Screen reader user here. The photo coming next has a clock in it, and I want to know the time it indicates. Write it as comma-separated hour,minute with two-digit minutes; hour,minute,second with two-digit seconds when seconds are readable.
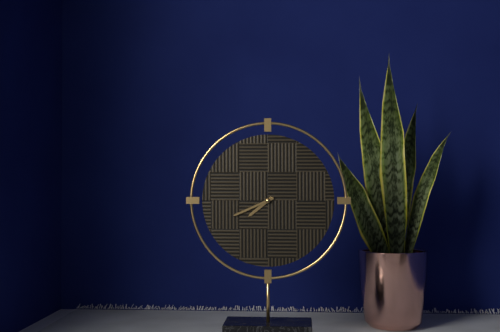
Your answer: 7,41
